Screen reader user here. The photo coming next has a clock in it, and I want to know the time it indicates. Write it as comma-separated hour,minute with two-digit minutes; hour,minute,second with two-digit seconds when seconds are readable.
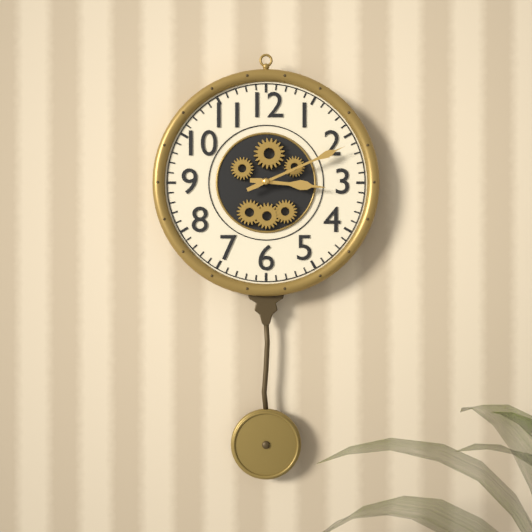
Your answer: 3,11
